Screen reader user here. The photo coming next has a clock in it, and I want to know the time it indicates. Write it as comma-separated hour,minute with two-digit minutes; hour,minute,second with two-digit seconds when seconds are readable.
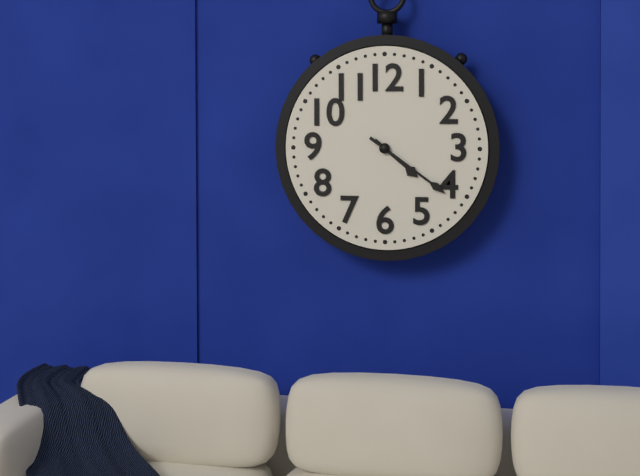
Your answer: 4,21
